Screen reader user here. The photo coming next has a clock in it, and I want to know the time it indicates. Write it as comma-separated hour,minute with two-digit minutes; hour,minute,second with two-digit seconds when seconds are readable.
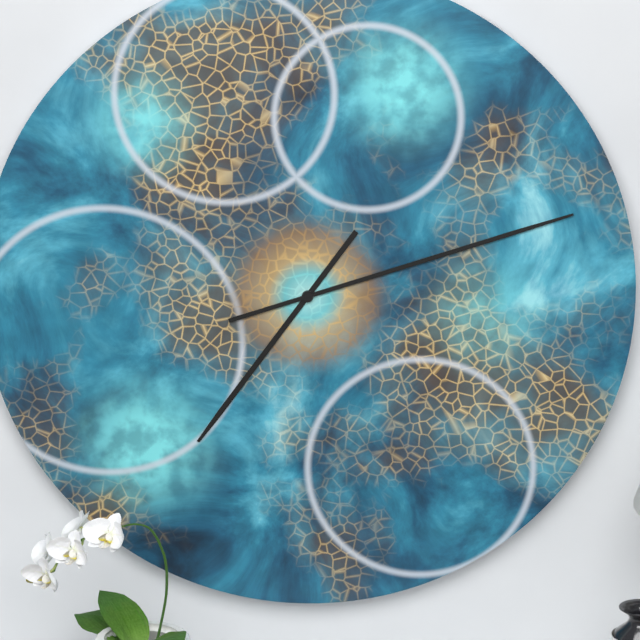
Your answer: 7,12
